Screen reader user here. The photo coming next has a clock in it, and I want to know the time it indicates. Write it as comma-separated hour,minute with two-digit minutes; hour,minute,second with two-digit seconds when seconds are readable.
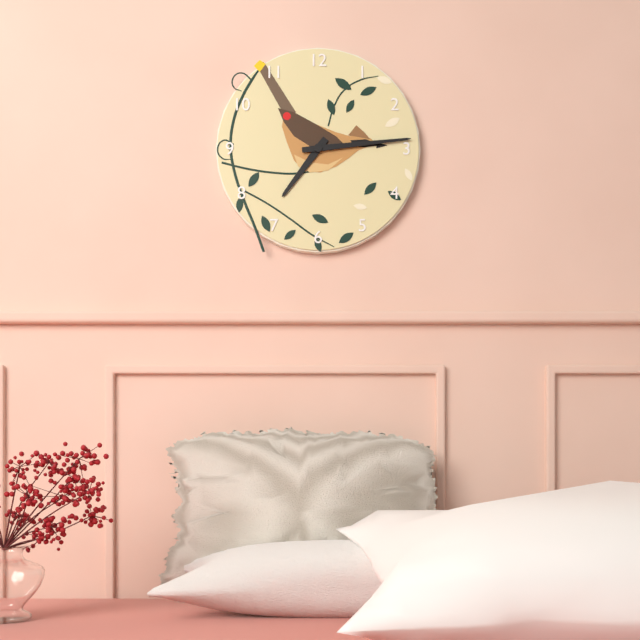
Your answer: 7,14
